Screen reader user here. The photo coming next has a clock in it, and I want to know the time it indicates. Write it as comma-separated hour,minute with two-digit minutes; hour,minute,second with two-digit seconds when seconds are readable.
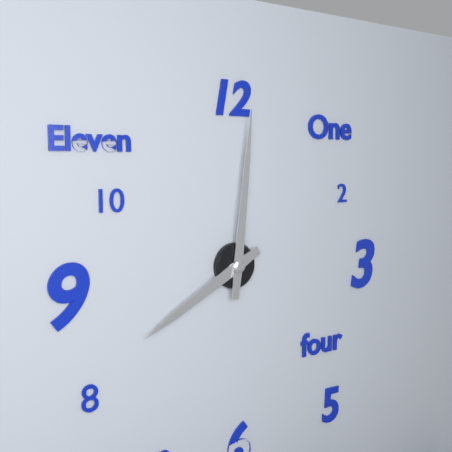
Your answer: 8,01
